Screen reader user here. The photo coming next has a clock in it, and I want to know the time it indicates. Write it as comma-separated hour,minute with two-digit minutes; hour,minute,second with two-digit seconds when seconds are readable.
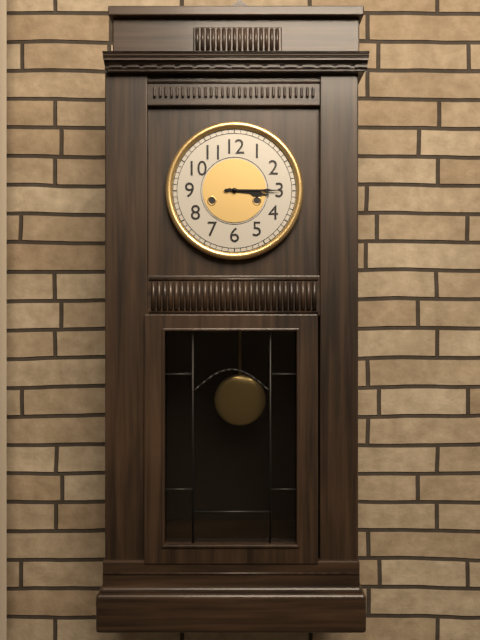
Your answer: 3,15
